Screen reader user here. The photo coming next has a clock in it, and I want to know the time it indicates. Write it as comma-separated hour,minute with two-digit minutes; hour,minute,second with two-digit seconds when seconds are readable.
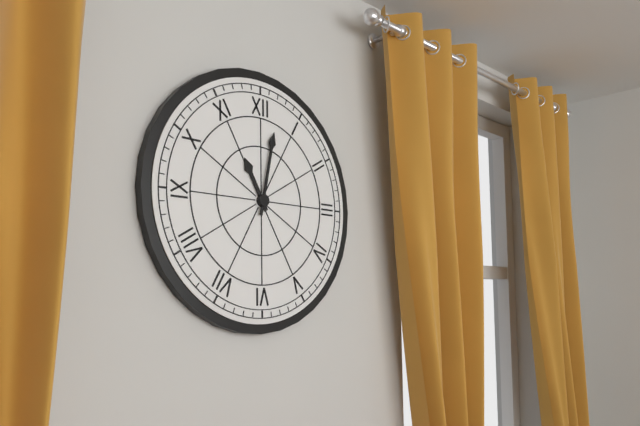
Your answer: 11,02
